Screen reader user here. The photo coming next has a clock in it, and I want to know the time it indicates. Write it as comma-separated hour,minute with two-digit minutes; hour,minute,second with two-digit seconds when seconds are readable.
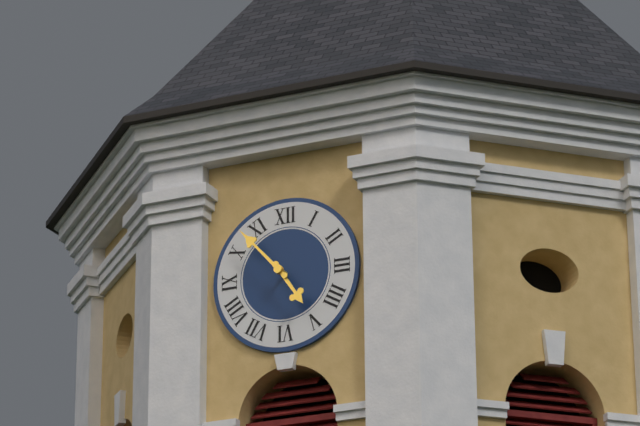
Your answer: 4,53
